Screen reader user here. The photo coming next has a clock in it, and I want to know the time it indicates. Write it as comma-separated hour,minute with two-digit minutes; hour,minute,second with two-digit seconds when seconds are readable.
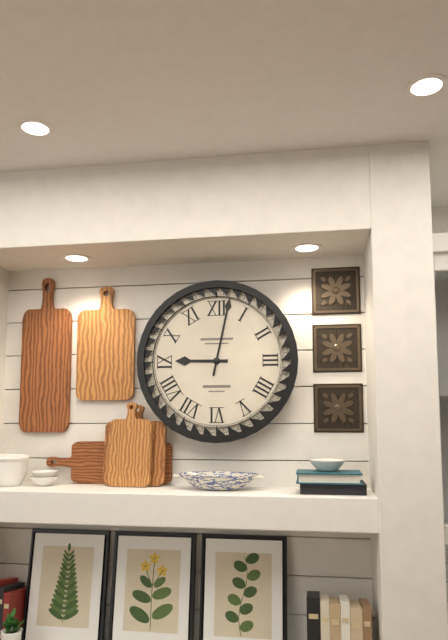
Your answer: 9,02
